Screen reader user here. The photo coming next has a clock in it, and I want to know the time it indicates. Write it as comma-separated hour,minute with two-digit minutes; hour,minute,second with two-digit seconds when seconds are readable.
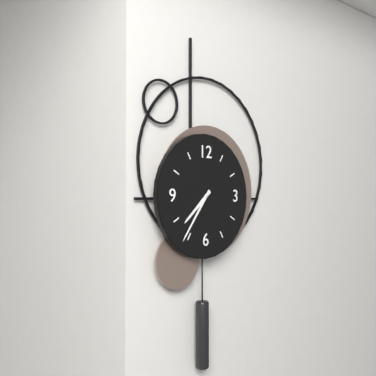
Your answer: 7,36
